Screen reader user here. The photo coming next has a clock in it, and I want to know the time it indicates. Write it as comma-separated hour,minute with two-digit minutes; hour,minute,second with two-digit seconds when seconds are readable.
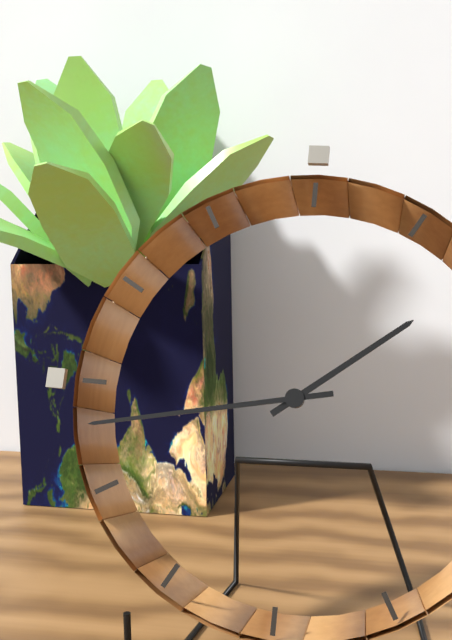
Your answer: 1,43
